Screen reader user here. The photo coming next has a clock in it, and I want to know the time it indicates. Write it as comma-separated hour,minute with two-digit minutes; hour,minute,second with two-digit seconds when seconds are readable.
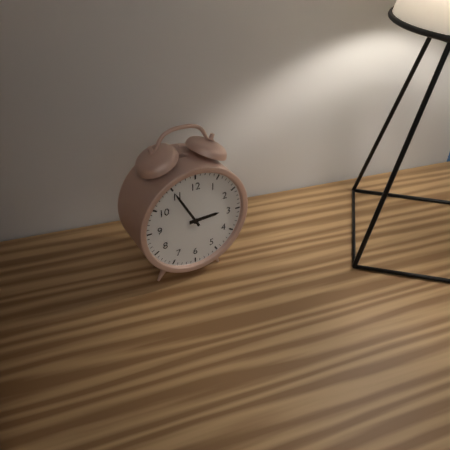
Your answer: 2,55
